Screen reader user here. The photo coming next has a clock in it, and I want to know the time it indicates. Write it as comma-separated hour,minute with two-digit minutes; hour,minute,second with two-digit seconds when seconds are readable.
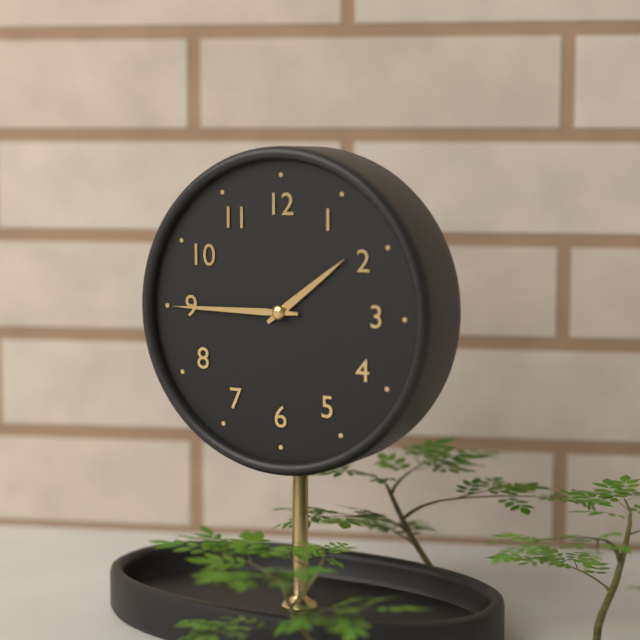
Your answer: 1,45
